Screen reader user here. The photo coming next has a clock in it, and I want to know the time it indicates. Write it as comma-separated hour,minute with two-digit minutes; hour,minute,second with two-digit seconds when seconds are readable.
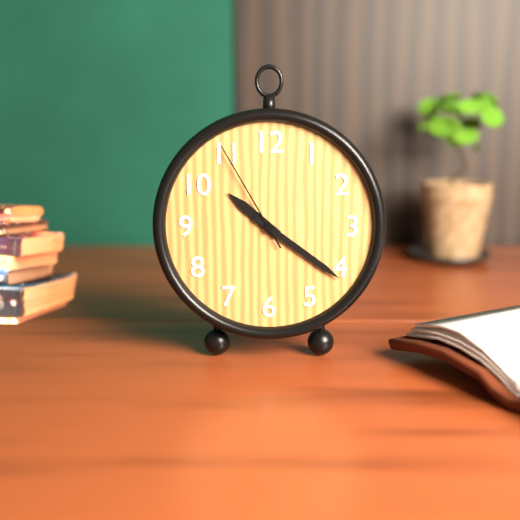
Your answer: 10,21,55
